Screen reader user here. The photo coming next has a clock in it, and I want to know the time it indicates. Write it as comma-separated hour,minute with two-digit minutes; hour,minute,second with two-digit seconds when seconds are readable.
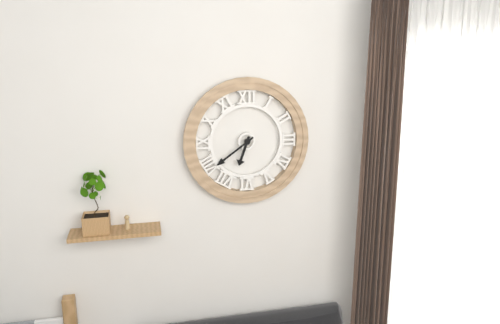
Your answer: 6,39
